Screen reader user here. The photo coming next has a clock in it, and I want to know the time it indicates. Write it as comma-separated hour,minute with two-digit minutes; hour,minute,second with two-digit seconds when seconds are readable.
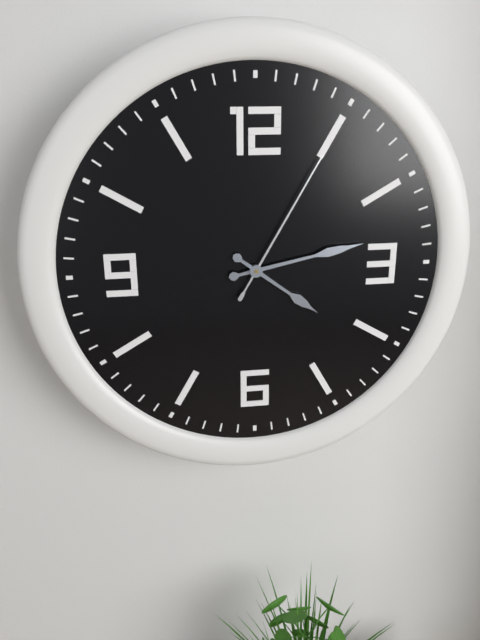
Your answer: 4,13,05
